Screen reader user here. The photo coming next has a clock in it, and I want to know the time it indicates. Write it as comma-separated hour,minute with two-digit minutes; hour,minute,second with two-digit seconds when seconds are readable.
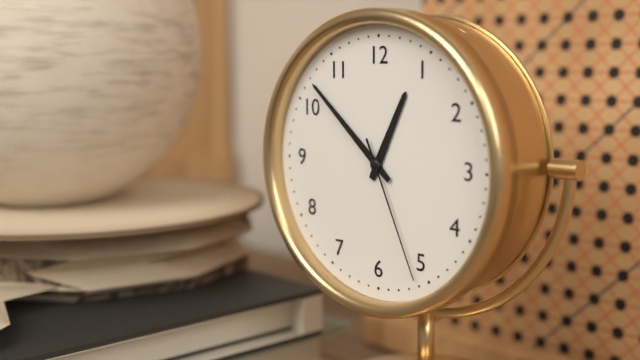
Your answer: 12,52,26
